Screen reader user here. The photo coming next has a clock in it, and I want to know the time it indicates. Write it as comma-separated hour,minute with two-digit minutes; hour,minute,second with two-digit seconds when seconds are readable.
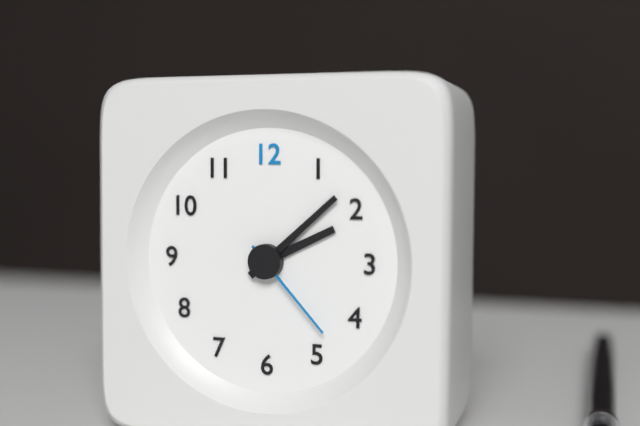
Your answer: 2,08,23
